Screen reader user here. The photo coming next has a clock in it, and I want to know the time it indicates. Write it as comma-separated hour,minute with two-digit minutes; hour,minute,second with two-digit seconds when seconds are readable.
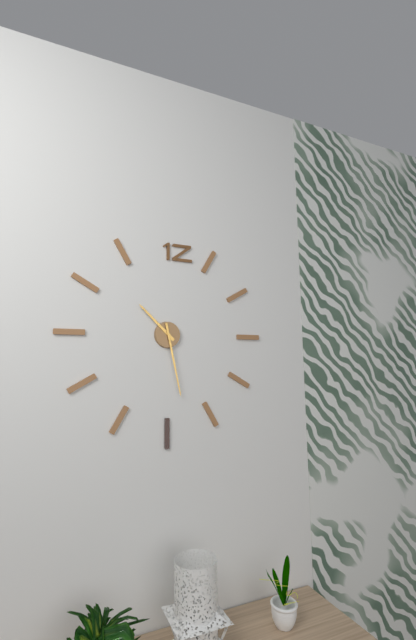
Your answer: 10,28
